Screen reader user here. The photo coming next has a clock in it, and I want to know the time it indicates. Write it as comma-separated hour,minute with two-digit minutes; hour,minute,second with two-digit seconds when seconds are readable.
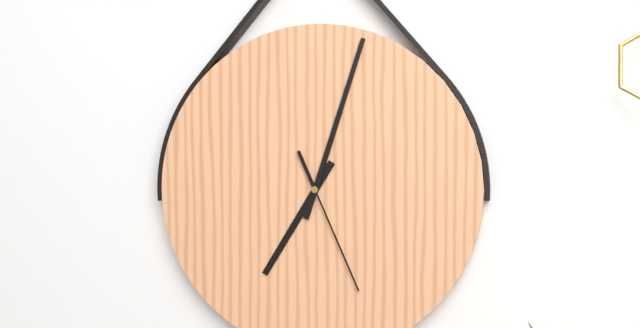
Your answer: 7,03,26
